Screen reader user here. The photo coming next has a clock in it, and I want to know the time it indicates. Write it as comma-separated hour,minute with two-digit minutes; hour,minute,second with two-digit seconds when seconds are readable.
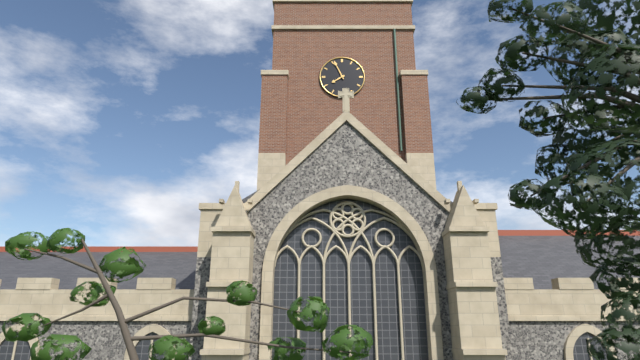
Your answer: 7,56
